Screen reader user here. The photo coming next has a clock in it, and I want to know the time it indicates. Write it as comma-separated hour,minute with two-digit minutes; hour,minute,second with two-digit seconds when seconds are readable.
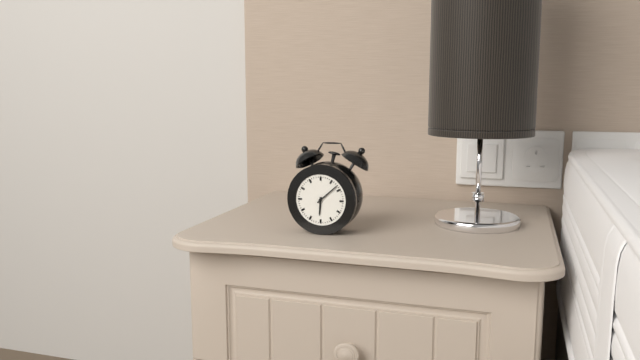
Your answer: 6,08
